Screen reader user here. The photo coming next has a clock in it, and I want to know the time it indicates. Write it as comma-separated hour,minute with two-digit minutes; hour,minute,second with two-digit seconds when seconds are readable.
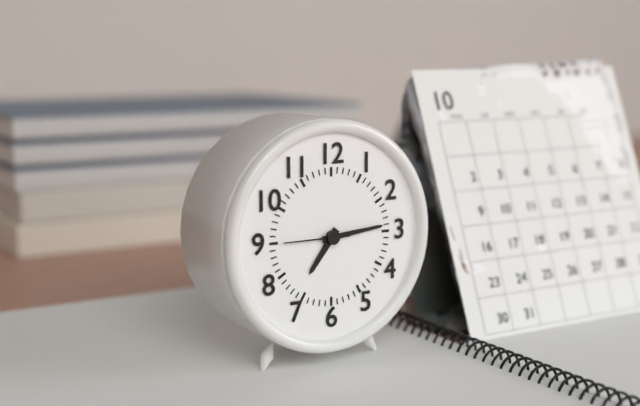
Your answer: 7,14,45
